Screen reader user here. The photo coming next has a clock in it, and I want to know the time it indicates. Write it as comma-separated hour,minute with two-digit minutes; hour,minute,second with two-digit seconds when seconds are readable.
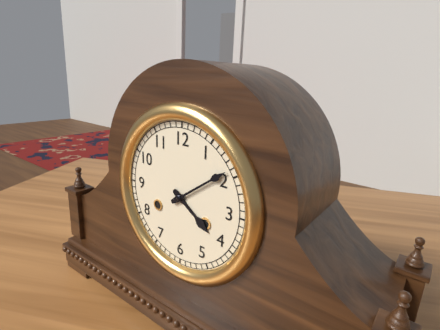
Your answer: 4,09
